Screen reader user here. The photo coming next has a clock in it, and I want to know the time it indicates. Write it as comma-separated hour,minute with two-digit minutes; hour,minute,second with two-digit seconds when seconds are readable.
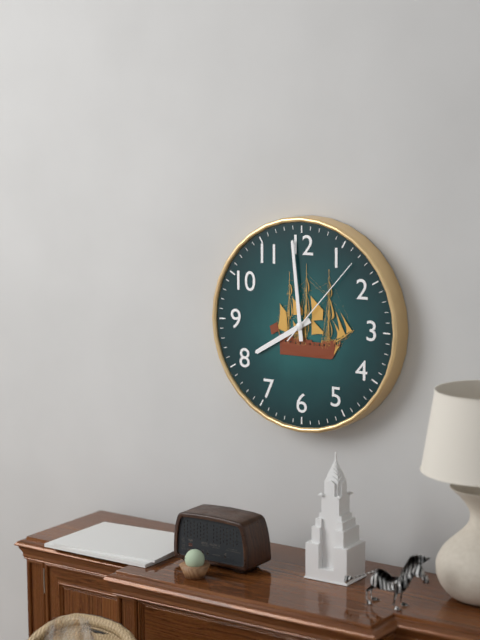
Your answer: 7,59,07
